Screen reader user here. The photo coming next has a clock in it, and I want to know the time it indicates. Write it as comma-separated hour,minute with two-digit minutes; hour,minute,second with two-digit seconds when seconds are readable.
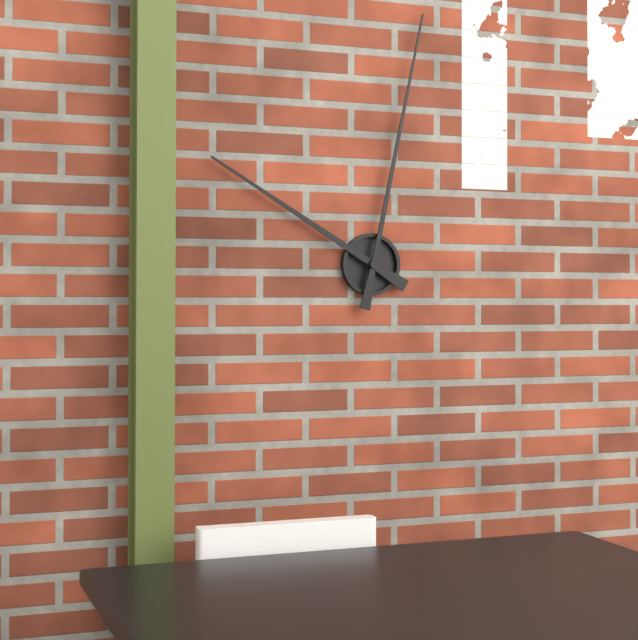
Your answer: 10,02
